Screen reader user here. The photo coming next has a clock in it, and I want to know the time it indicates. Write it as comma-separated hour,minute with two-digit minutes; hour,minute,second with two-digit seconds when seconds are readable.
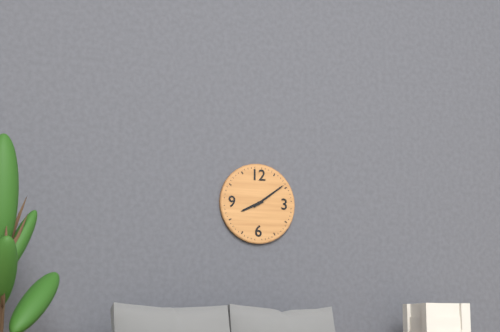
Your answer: 8,09
